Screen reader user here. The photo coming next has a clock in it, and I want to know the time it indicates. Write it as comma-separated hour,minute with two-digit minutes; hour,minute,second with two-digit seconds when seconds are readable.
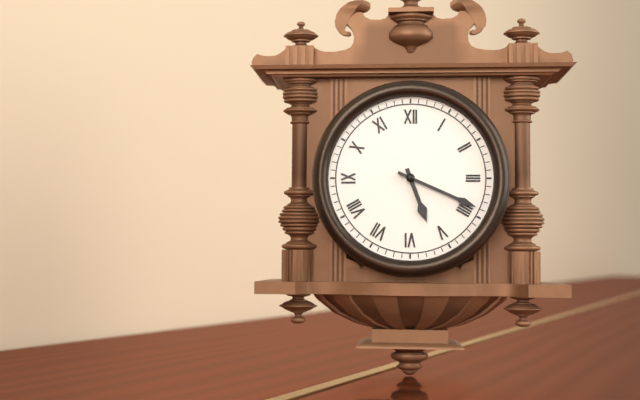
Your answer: 5,19
